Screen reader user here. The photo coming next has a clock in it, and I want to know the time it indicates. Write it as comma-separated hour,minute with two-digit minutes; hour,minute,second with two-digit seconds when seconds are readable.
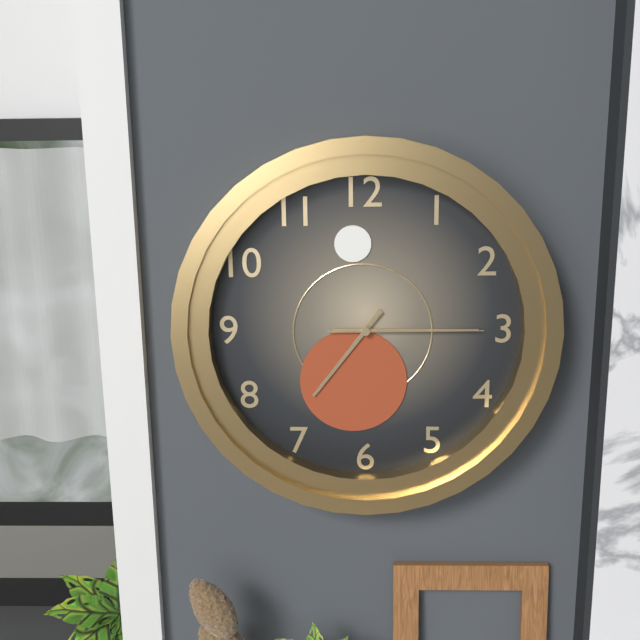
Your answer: 7,15,15
